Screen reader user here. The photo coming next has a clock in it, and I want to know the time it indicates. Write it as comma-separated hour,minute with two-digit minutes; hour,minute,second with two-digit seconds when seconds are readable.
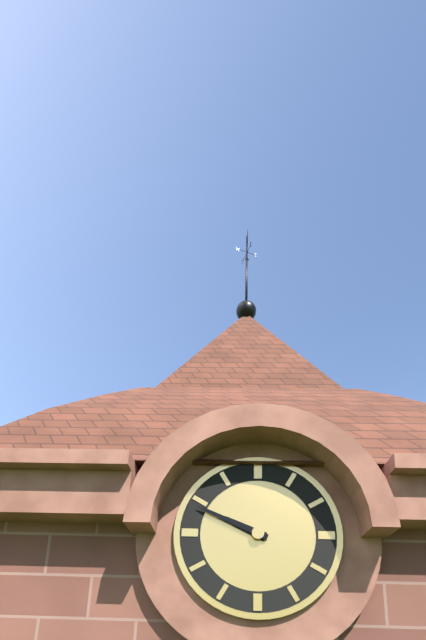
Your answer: 9,49
